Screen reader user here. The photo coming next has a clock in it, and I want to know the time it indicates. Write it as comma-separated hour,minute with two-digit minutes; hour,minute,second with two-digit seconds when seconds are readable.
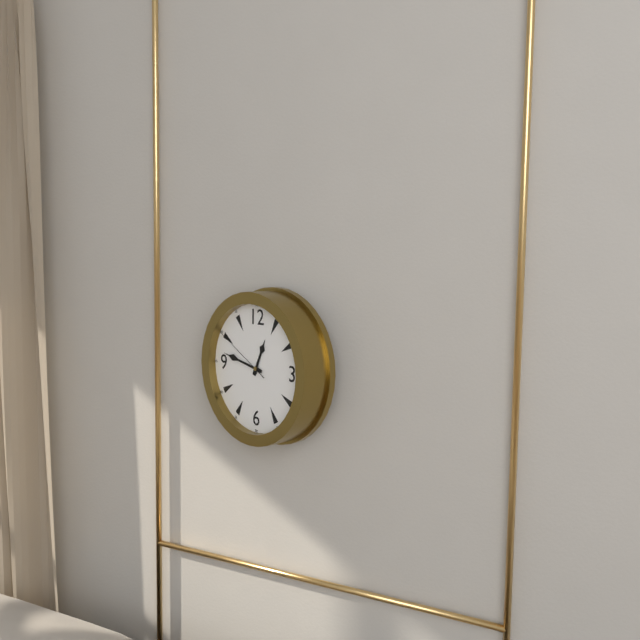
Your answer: 12,47,50
